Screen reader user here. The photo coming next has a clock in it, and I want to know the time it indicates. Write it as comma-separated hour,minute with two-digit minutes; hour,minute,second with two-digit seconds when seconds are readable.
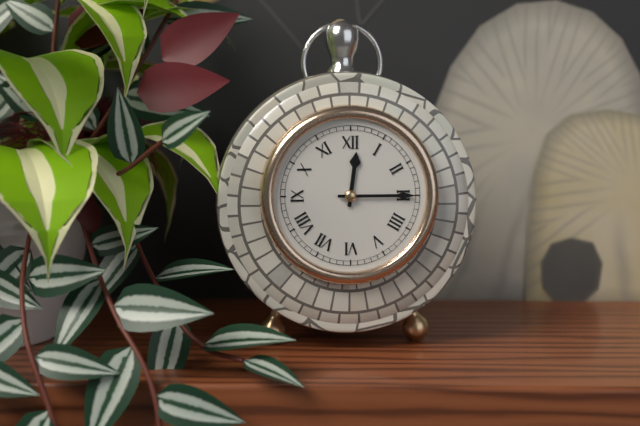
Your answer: 12,15
